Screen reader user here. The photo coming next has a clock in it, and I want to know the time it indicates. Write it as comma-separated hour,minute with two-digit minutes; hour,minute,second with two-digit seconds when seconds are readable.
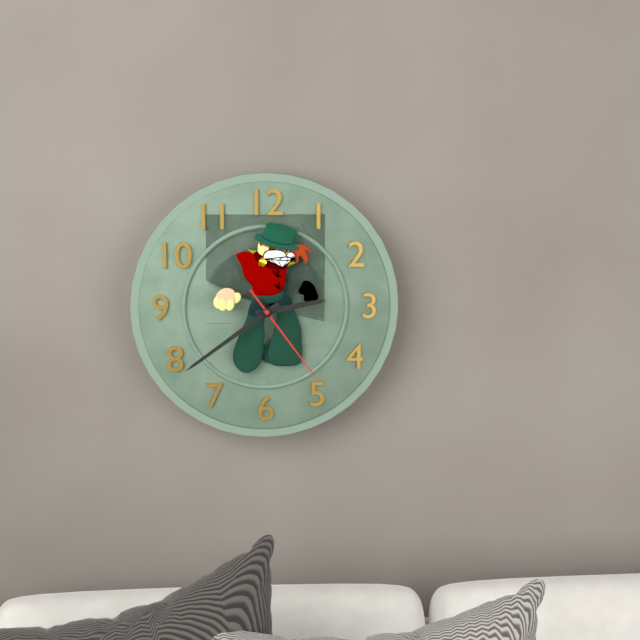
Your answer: 2,39,24
